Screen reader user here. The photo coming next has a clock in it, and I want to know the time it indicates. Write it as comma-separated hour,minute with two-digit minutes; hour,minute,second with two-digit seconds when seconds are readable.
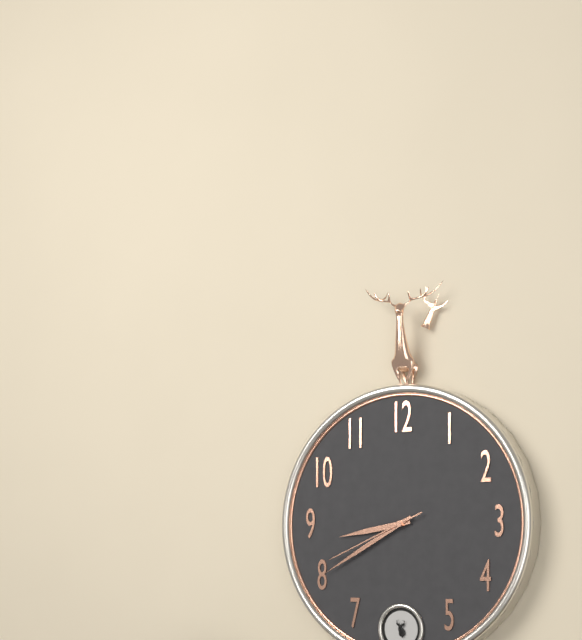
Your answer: 8,40,41
